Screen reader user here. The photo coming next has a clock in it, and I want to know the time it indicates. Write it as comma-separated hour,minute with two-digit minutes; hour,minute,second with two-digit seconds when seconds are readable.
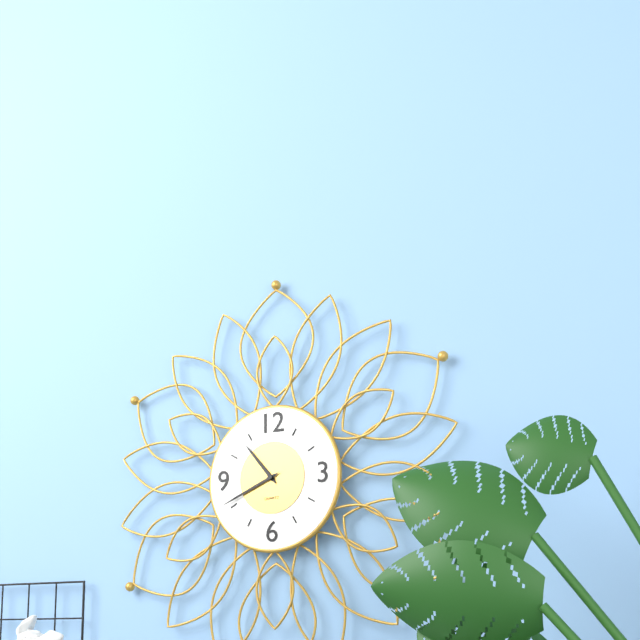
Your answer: 10,41
